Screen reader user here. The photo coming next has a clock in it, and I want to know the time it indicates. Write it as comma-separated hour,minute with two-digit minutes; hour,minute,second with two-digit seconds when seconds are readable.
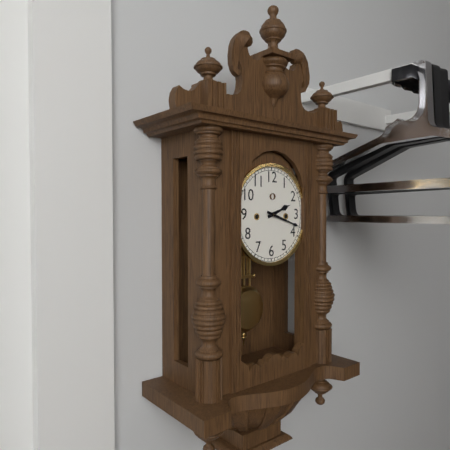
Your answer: 2,18
